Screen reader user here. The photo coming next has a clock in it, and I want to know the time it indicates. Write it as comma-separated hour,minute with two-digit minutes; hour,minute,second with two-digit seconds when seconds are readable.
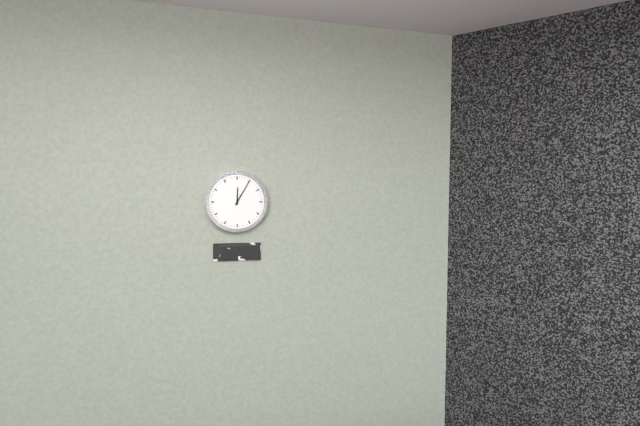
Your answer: 12,05
